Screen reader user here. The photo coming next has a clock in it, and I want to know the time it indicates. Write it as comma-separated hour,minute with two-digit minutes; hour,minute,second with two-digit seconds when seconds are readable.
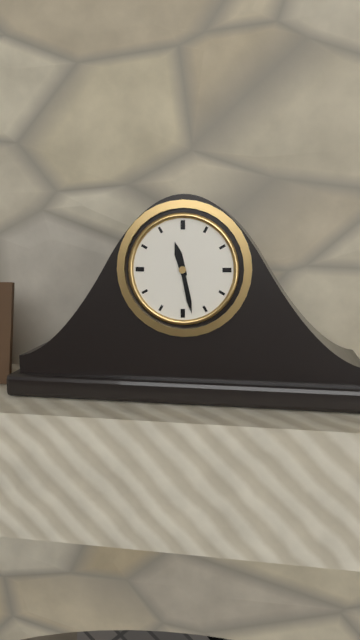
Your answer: 11,28
